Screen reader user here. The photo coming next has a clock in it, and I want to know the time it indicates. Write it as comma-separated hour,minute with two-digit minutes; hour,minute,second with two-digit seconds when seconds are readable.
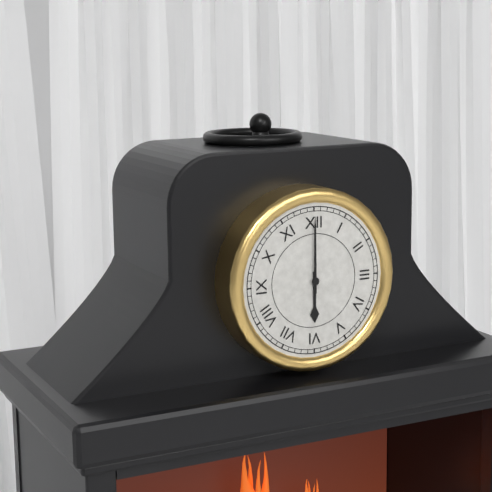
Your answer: 6,00
